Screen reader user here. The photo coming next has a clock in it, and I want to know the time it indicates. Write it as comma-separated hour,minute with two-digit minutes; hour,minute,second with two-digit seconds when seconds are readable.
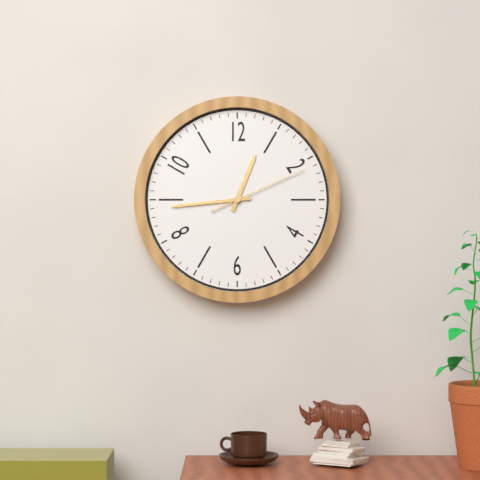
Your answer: 12,44,11
